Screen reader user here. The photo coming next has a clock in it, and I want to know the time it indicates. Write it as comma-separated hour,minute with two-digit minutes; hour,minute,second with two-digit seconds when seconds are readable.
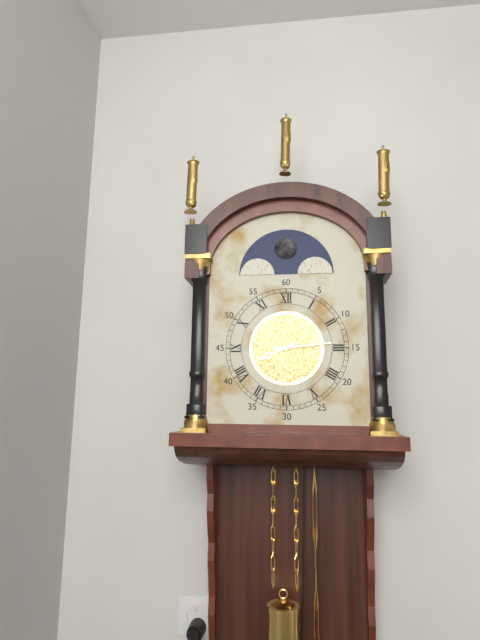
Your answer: 8,14
